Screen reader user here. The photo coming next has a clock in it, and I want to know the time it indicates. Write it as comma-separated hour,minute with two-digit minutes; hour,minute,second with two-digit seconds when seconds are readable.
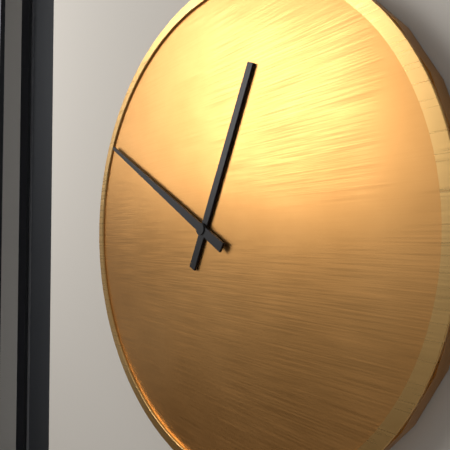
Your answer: 12,50
